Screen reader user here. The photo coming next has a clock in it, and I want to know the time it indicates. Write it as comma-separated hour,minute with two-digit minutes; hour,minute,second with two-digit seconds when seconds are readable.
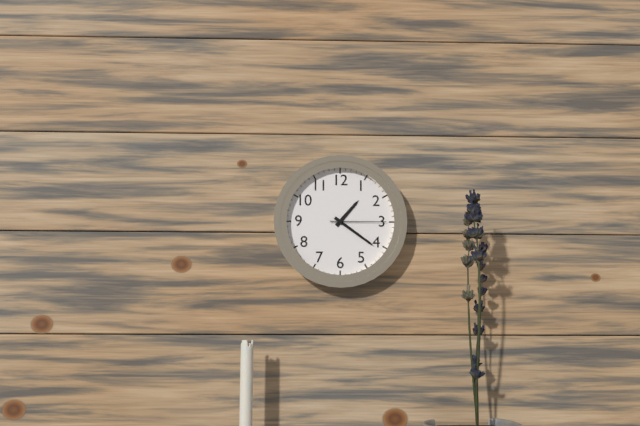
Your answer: 1,21,15
